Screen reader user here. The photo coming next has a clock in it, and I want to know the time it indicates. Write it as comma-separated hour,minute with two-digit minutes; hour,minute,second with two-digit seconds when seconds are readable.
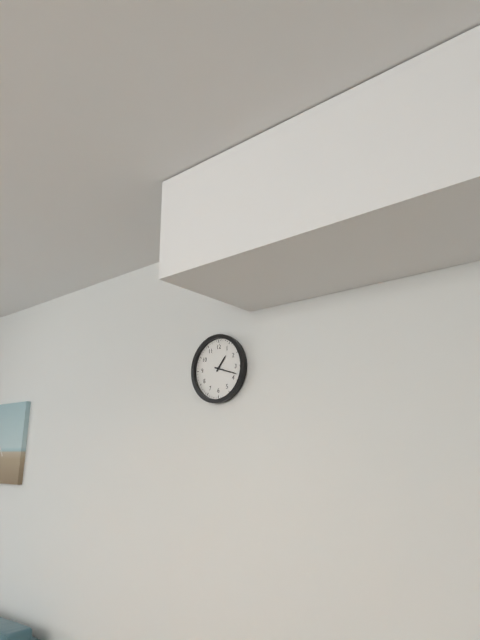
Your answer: 1,18
